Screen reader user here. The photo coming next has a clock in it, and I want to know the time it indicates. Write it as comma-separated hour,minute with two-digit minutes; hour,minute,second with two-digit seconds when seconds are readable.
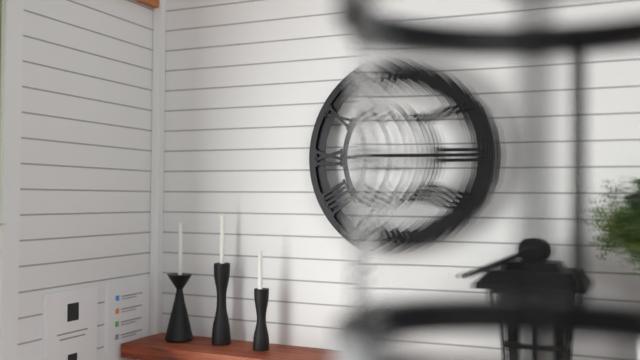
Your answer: 3,32
